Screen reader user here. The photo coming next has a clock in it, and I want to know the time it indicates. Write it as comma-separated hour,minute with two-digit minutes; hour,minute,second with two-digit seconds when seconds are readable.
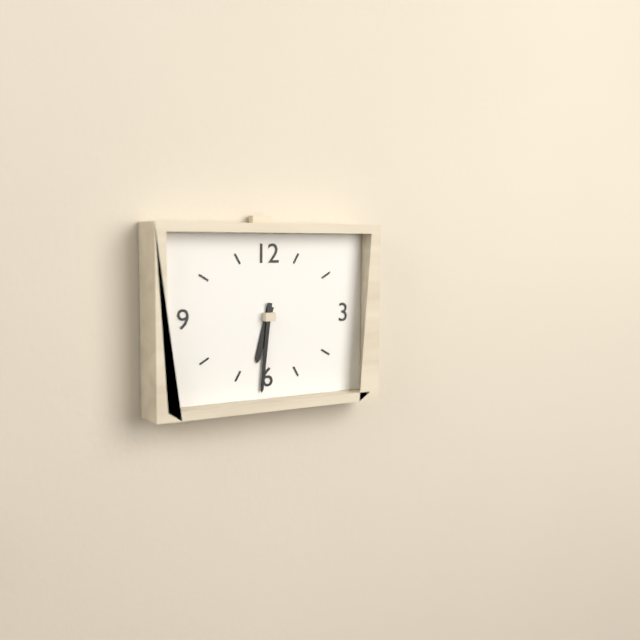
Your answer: 6,31
